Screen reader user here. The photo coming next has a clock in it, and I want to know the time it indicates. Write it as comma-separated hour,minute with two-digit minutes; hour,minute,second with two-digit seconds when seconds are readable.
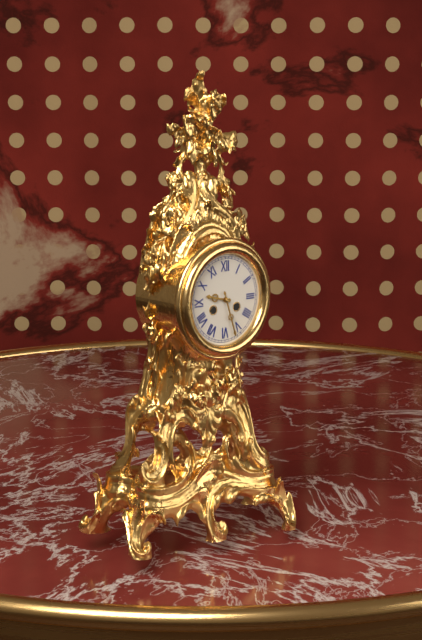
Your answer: 9,27
